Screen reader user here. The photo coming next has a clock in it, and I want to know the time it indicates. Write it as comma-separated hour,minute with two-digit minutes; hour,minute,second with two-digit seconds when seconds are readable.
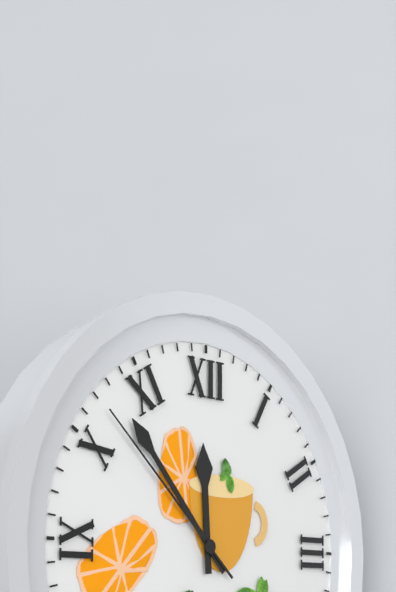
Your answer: 11,53,52
